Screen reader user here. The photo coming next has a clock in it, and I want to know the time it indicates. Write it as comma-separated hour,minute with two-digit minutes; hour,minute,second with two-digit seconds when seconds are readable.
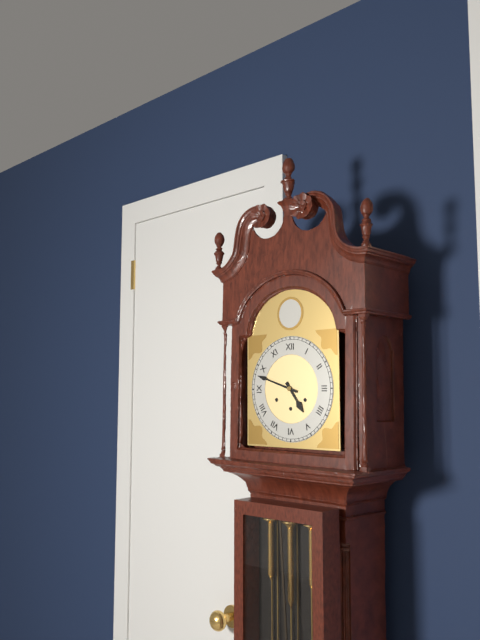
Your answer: 4,48
